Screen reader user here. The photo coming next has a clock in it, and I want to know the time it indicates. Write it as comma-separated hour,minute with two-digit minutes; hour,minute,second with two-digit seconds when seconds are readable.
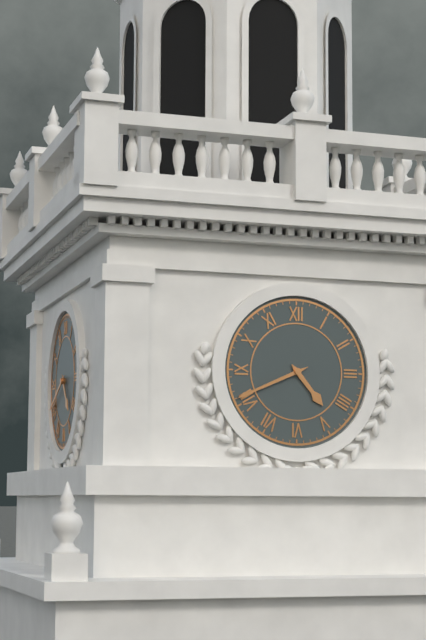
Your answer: 4,41
